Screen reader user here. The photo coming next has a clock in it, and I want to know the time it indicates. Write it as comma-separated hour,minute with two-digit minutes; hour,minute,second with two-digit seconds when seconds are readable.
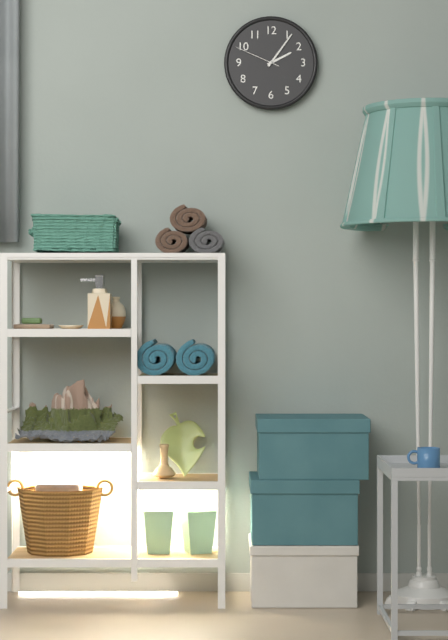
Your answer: 2,06
